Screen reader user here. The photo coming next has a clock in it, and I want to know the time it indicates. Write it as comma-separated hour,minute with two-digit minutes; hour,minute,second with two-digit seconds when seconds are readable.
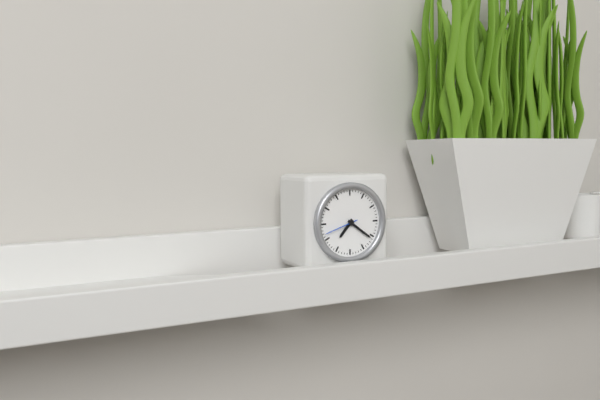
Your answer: 7,21
